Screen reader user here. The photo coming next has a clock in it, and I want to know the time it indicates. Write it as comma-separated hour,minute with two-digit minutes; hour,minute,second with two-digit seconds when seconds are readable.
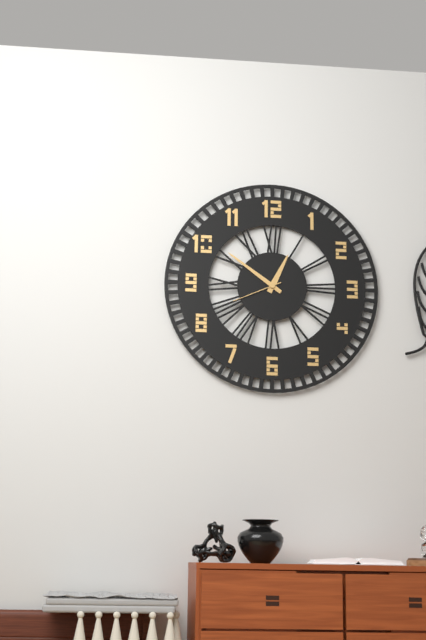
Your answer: 12,51,41
